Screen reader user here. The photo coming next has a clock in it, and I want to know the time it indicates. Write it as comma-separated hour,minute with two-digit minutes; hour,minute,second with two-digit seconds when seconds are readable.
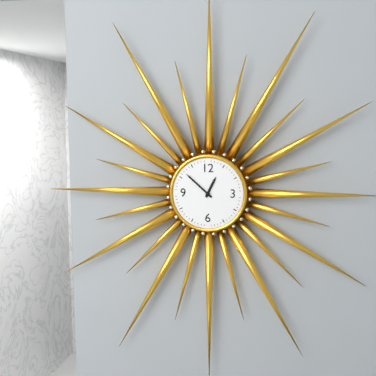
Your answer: 12,52
